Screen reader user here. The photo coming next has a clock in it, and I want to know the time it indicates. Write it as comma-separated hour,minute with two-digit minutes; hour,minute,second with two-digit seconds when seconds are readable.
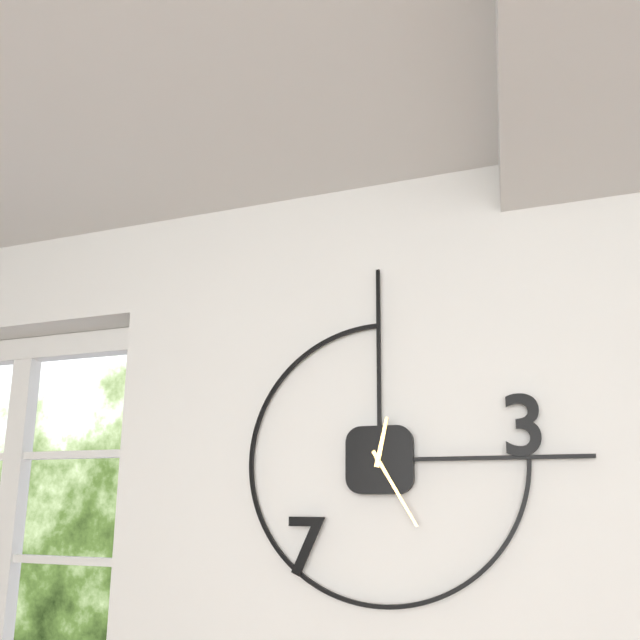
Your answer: 12,25
